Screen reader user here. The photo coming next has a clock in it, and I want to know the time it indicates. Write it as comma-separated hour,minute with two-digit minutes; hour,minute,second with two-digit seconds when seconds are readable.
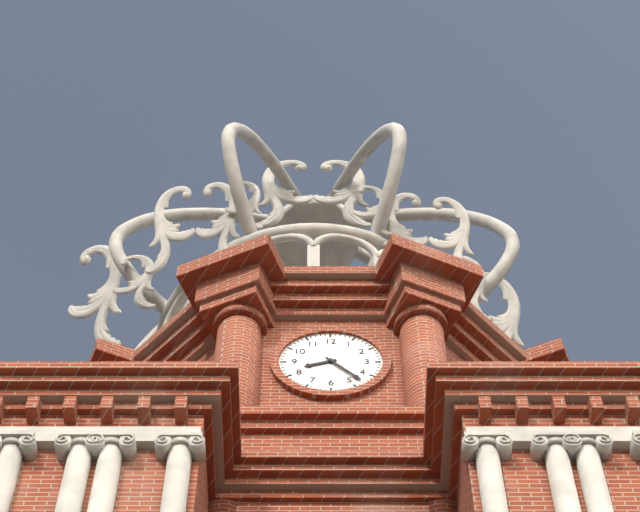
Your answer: 8,23
